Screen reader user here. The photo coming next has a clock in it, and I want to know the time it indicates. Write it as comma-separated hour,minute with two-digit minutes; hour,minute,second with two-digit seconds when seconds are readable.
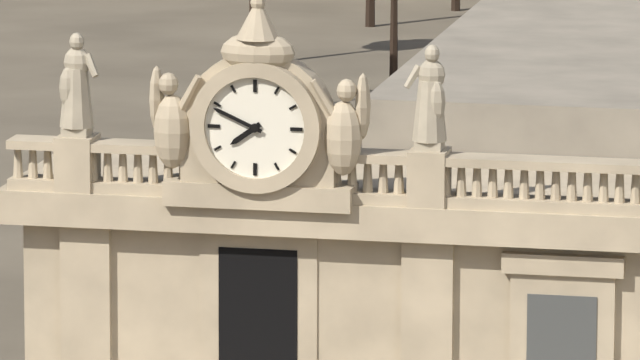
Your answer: 7,49
